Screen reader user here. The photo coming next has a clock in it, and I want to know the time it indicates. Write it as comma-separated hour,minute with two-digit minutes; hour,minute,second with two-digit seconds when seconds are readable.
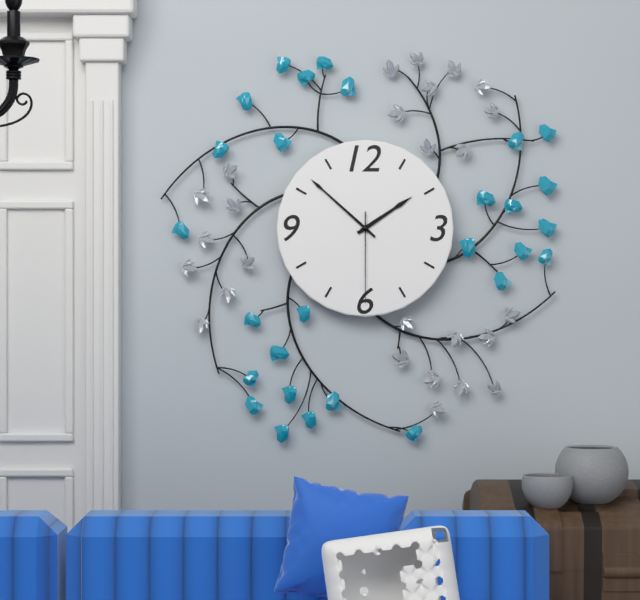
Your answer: 1,52,30
